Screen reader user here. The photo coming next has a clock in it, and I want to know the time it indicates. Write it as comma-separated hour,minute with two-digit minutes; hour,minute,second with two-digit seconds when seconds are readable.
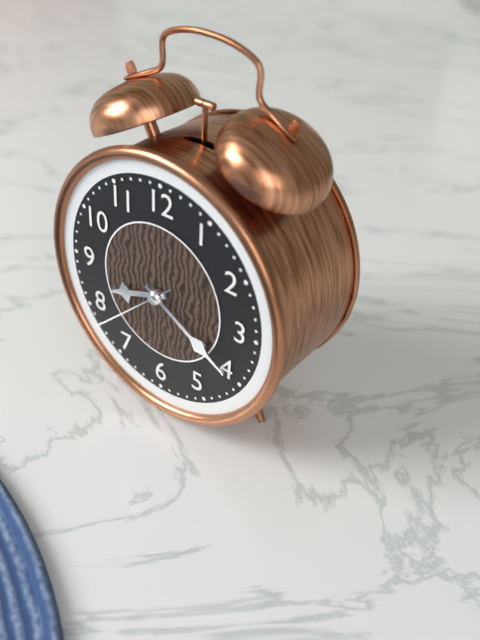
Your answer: 8,20,38
